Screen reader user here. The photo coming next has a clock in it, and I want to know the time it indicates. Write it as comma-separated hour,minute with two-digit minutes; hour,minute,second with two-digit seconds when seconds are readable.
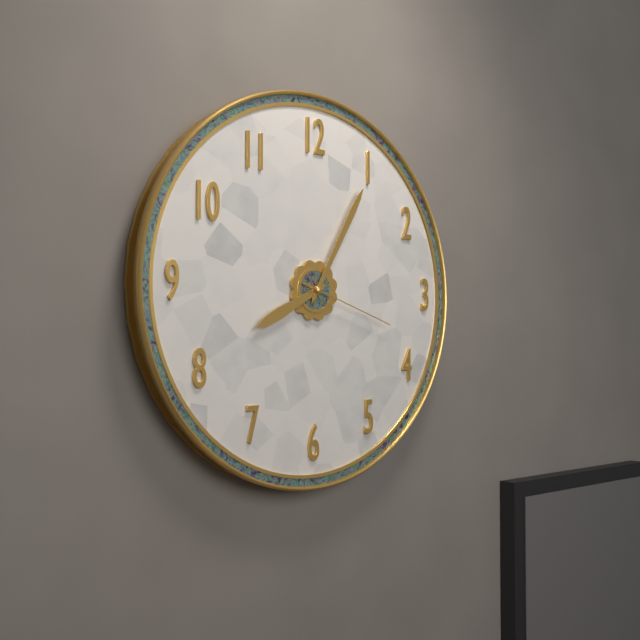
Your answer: 8,05,18
